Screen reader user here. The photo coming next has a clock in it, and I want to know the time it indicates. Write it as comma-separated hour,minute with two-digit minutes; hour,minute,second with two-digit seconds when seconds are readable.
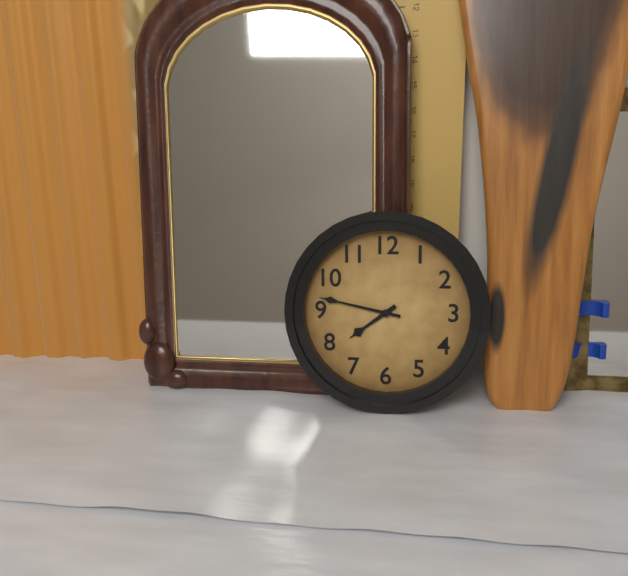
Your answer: 7,47
